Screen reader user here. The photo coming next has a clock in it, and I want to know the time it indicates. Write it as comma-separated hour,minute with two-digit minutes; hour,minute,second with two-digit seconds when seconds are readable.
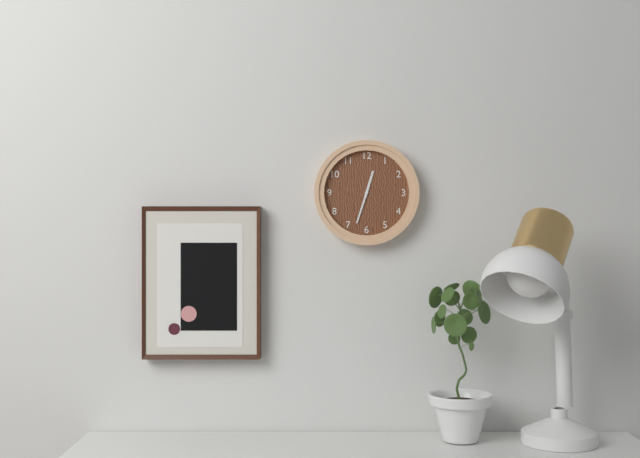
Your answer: 12,33
